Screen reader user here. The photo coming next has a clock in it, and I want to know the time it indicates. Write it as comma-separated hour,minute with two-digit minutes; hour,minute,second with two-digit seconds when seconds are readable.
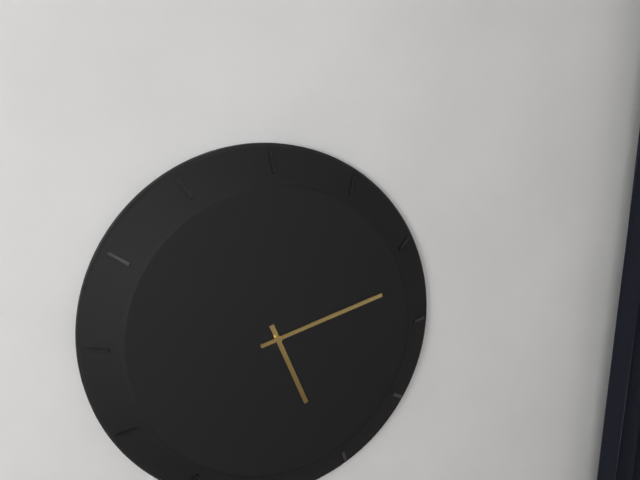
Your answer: 5,12
